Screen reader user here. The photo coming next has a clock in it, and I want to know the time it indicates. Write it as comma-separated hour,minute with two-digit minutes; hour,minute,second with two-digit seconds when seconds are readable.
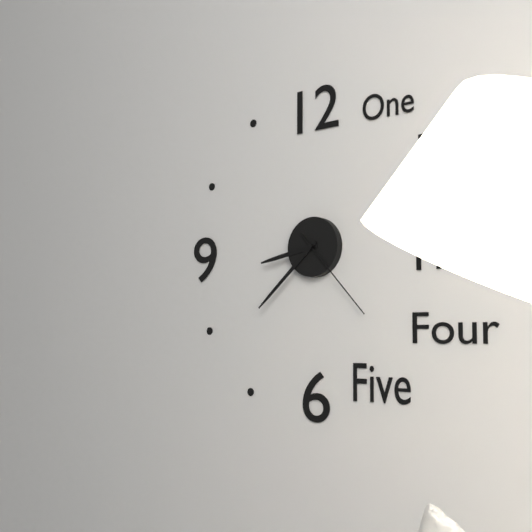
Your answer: 8,38,23
